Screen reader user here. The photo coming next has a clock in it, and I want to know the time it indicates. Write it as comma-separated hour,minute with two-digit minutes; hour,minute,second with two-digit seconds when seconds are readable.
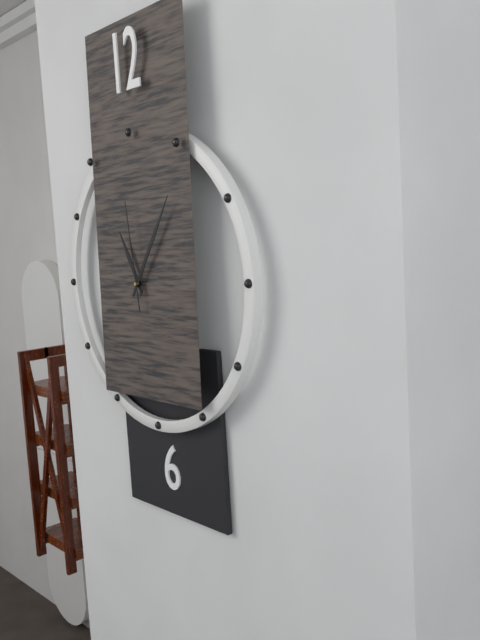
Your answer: 11,06,59
